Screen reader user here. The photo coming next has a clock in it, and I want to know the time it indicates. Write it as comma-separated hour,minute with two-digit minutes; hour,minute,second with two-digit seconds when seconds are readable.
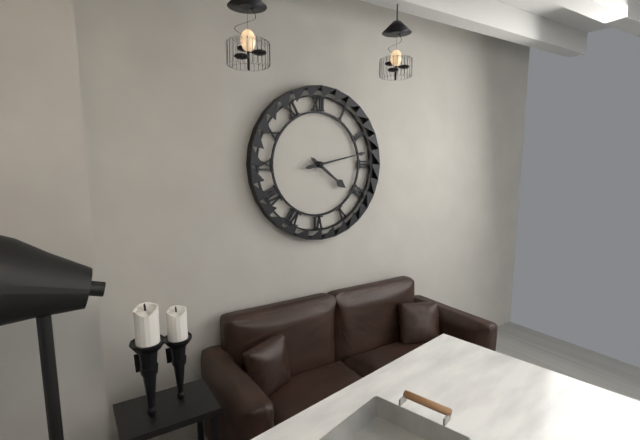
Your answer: 4,13
